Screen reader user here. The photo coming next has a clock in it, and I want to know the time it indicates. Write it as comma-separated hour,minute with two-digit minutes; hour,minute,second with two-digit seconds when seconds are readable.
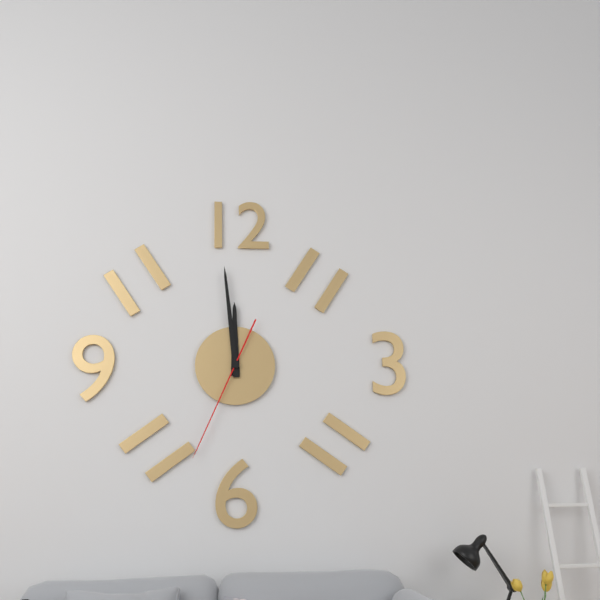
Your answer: 11,59,34
